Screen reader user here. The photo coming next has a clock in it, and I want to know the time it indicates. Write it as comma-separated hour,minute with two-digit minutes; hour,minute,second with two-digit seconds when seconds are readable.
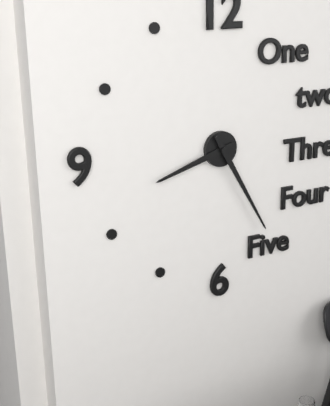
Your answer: 8,25
